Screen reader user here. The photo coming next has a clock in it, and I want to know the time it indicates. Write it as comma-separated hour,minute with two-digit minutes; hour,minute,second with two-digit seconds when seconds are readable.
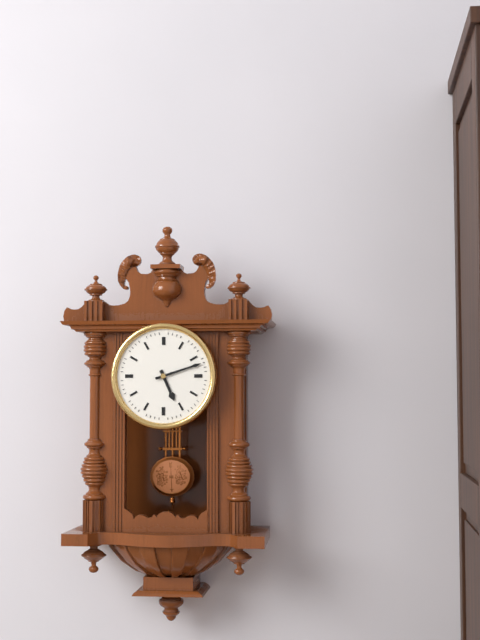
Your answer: 5,12
